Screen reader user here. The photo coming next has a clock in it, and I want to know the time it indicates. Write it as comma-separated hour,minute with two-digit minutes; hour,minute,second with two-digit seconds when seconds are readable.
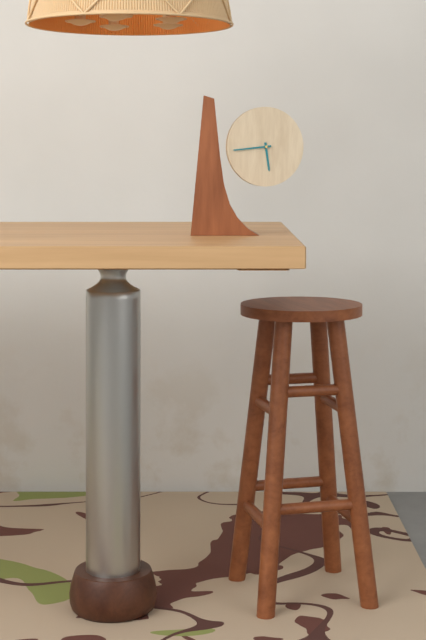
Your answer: 5,44
